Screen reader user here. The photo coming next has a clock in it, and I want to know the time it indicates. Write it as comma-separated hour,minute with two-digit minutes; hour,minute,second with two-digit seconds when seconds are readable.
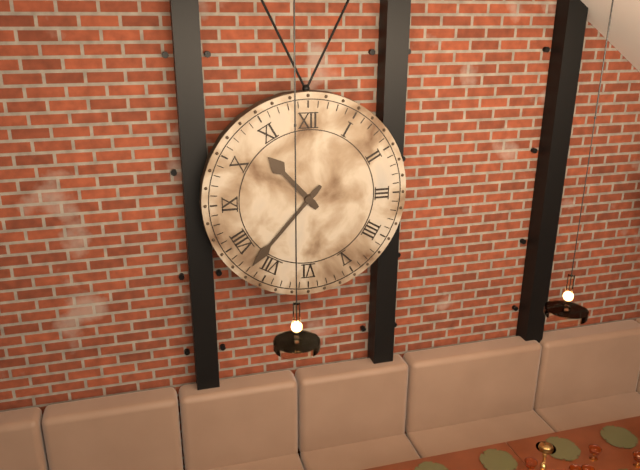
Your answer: 10,37
